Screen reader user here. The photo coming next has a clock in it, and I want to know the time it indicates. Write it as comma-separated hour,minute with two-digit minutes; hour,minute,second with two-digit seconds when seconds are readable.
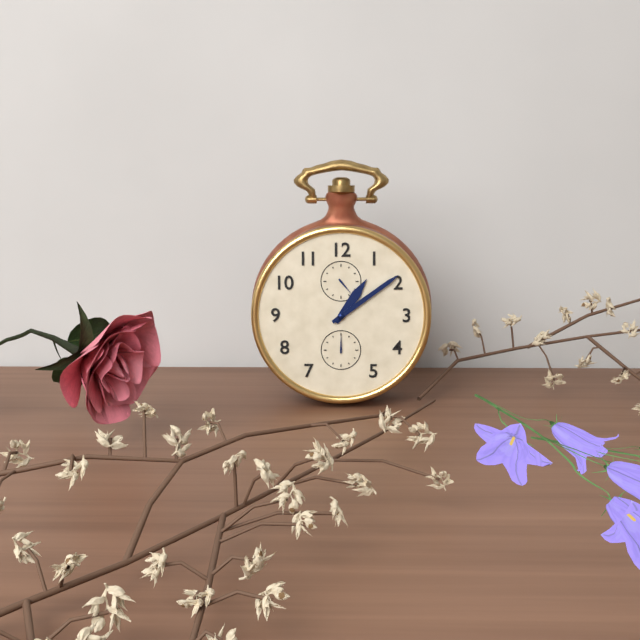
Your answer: 1,09
